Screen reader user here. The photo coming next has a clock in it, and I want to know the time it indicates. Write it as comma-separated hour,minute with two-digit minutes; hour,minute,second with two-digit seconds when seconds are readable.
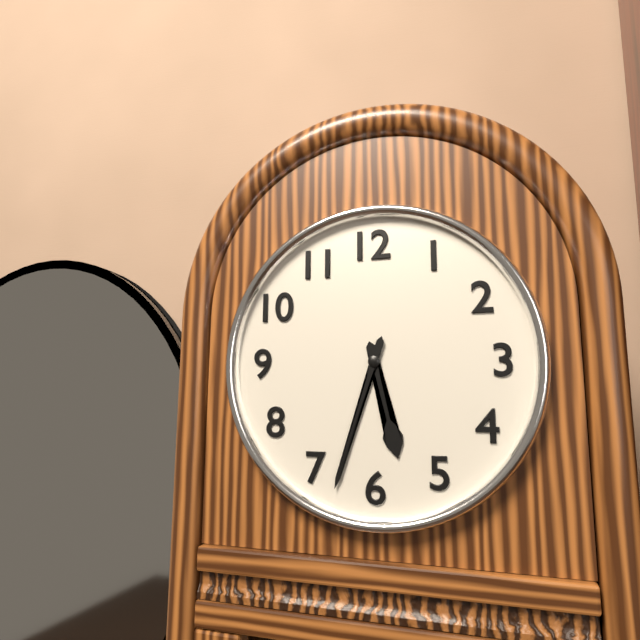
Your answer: 5,33
